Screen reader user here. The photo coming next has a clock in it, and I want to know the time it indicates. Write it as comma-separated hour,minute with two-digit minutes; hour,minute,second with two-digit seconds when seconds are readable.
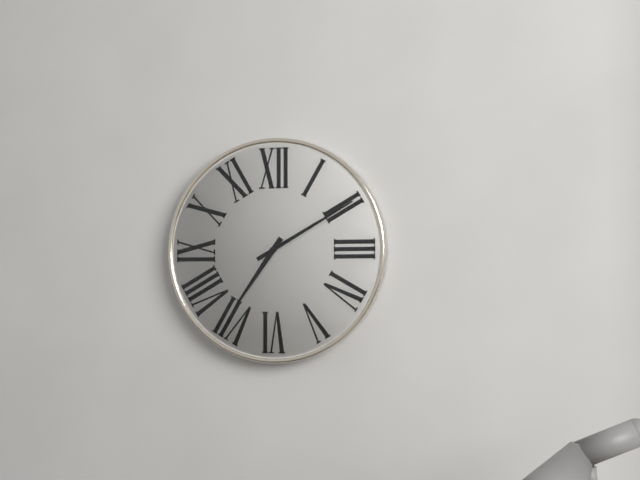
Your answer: 7,10
